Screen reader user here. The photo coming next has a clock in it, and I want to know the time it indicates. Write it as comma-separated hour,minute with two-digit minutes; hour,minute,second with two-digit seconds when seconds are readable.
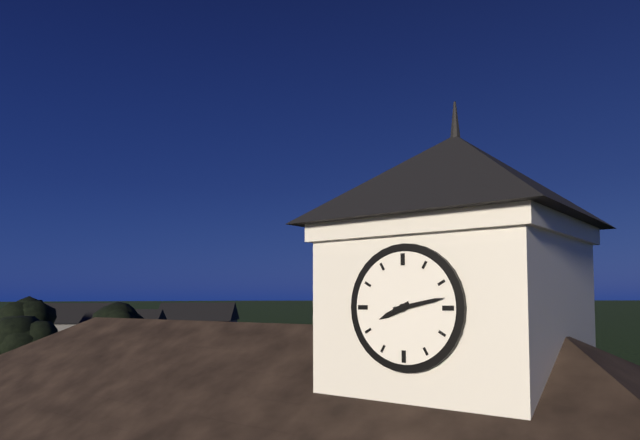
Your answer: 8,13
